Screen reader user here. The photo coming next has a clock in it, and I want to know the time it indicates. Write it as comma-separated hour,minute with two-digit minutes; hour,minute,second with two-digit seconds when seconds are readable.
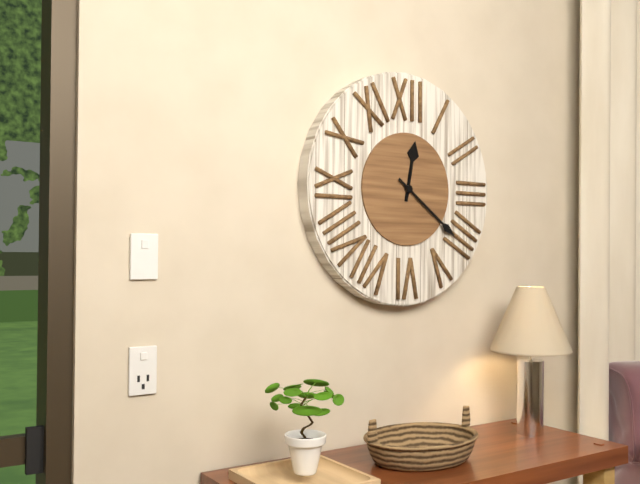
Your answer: 12,21
